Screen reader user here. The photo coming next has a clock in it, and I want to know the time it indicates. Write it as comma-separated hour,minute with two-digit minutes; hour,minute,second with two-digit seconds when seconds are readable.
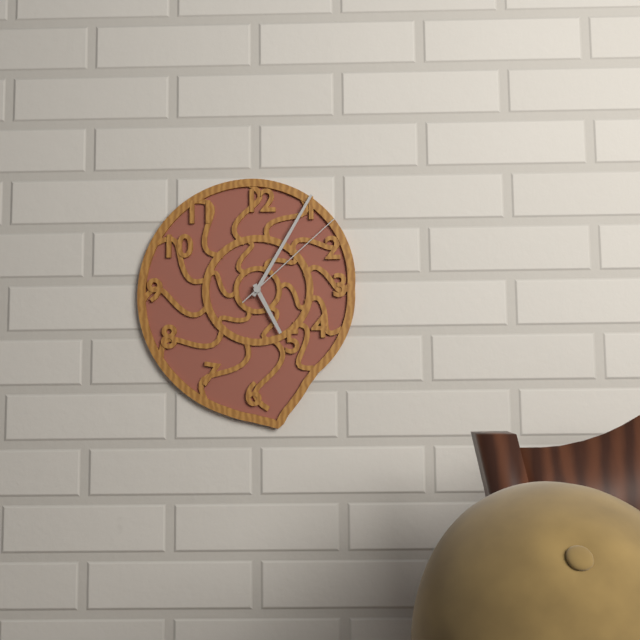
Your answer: 5,05,08
